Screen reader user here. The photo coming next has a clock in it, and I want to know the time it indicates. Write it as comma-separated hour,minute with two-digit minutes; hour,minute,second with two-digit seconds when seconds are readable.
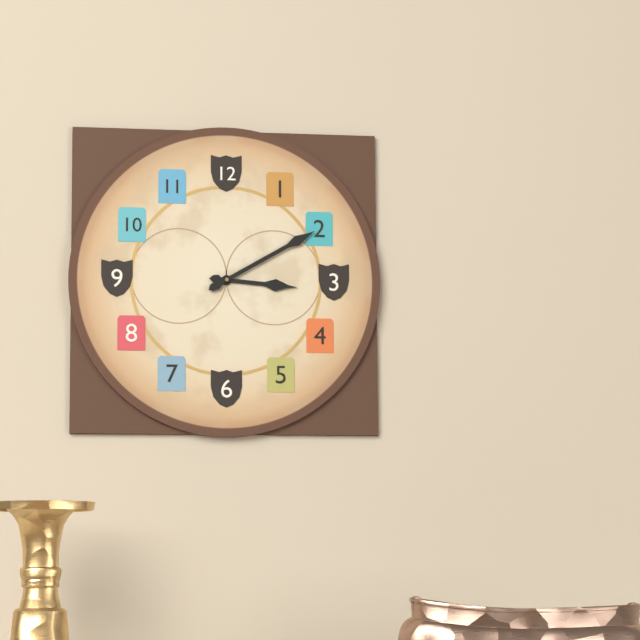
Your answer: 3,10
